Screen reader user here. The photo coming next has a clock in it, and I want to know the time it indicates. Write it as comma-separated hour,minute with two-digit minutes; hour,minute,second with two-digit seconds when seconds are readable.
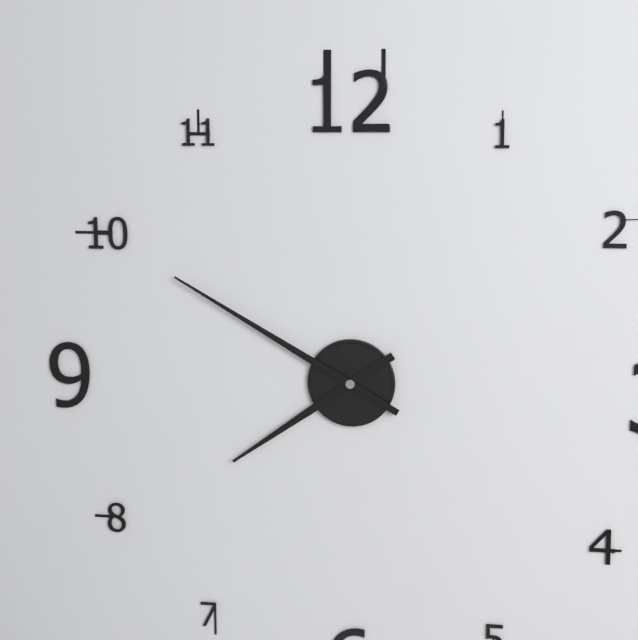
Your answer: 7,50
